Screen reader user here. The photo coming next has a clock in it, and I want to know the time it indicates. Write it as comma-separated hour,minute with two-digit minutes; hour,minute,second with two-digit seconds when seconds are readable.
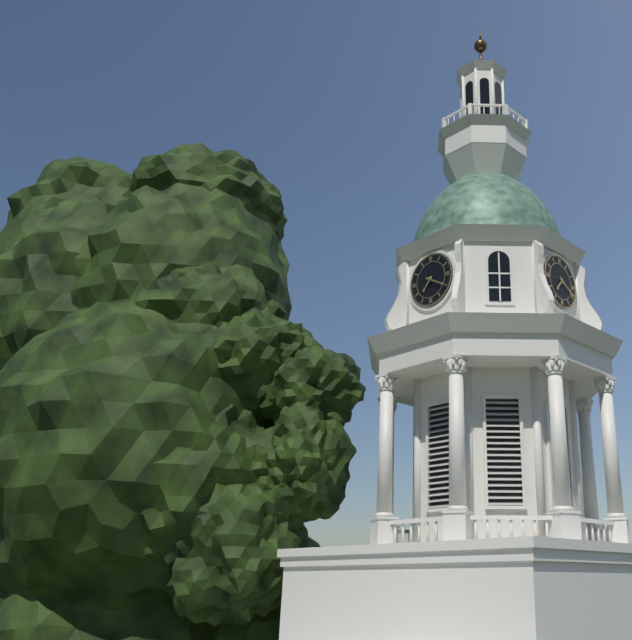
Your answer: 7,20
